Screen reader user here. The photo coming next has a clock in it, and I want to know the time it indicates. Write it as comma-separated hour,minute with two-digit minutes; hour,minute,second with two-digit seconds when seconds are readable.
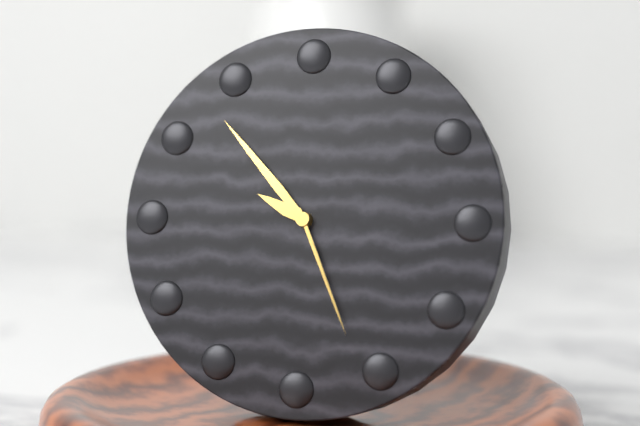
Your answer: 9,53,26
